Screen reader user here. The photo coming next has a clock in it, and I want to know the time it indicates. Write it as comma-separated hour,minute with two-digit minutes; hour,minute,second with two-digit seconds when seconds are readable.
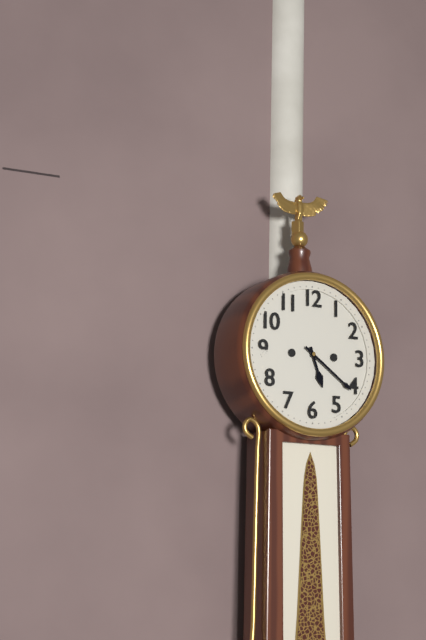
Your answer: 5,21
